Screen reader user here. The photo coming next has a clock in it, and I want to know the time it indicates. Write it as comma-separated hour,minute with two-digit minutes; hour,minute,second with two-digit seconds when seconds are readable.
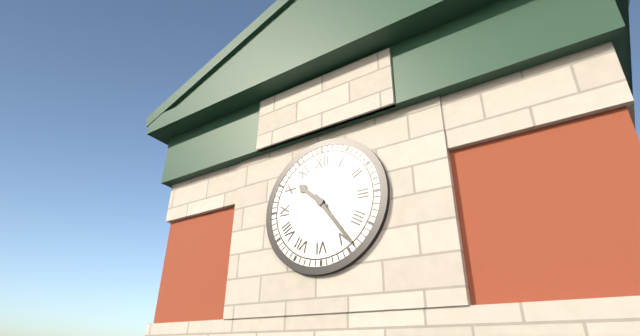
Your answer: 10,24
